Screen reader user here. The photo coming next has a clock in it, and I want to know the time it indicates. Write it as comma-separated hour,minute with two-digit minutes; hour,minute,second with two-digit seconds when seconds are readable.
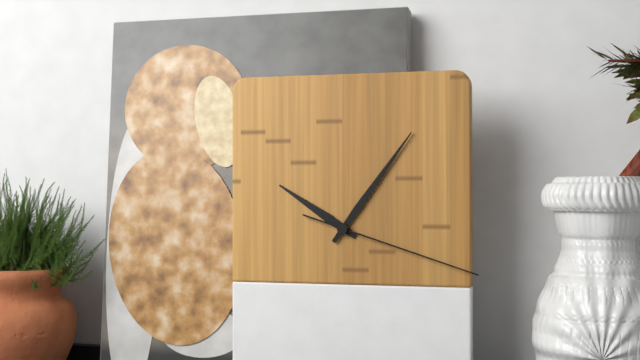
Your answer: 10,06,18
